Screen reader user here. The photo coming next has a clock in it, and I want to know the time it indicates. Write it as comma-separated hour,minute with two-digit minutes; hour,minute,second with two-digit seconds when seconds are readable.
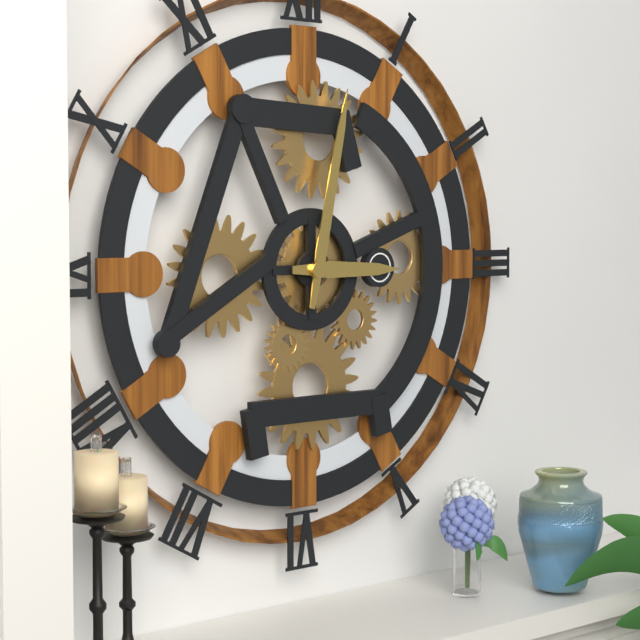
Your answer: 3,02
